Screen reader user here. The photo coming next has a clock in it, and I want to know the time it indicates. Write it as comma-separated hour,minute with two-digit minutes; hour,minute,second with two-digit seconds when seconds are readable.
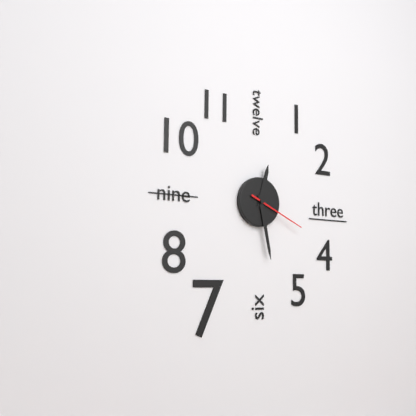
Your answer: 12,28,19
